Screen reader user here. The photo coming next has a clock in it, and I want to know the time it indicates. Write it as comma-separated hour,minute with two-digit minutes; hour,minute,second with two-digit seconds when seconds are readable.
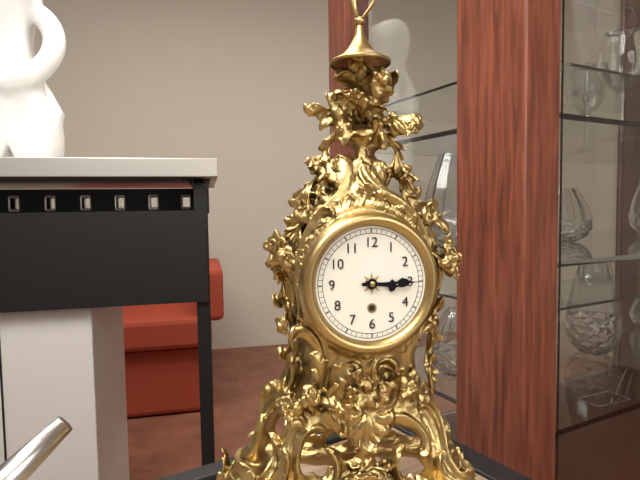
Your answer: 3,15
